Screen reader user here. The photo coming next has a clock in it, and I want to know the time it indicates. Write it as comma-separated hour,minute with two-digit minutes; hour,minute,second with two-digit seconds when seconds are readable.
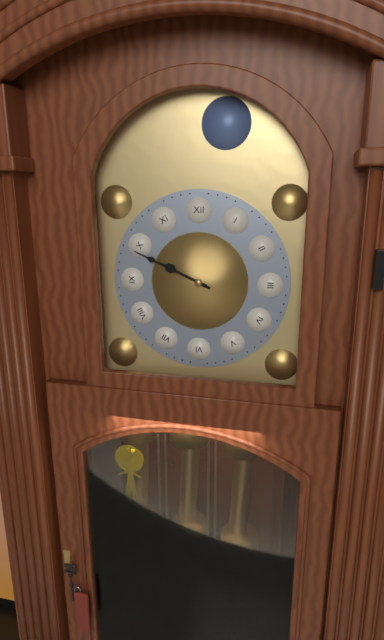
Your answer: 9,49
